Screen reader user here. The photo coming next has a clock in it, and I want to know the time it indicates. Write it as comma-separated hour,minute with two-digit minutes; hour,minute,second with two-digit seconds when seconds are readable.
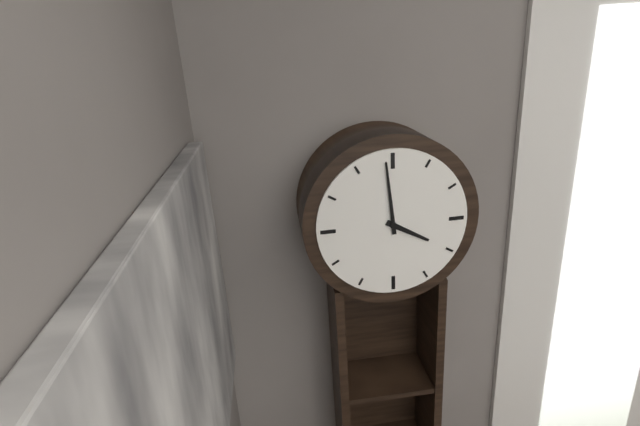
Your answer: 3,59
